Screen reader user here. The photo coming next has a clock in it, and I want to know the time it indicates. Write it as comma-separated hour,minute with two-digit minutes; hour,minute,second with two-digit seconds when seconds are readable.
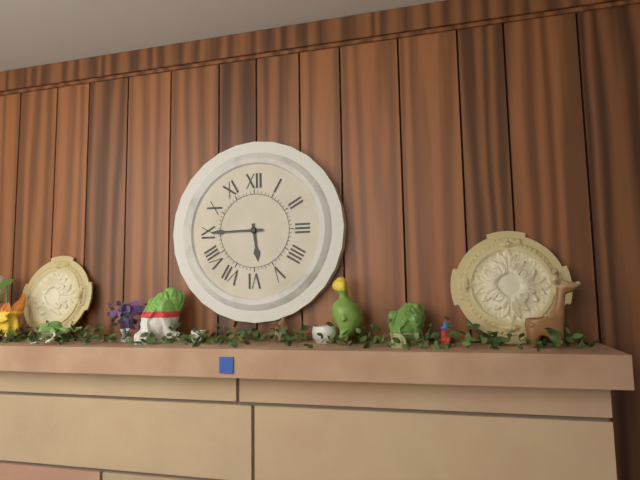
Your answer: 5,45
